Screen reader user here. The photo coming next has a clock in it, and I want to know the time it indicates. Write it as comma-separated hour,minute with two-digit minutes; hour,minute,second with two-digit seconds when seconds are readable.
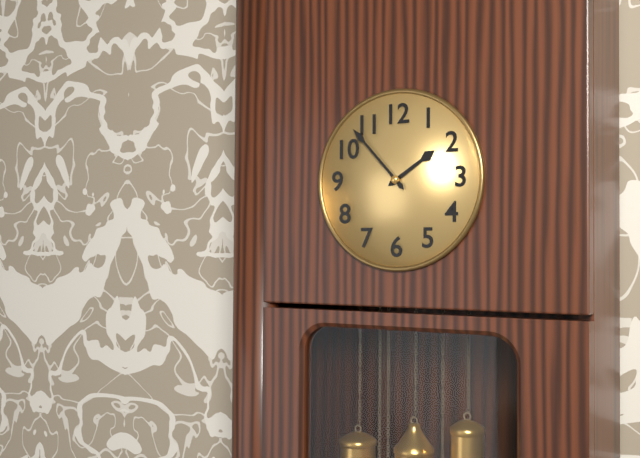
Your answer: 1,53
